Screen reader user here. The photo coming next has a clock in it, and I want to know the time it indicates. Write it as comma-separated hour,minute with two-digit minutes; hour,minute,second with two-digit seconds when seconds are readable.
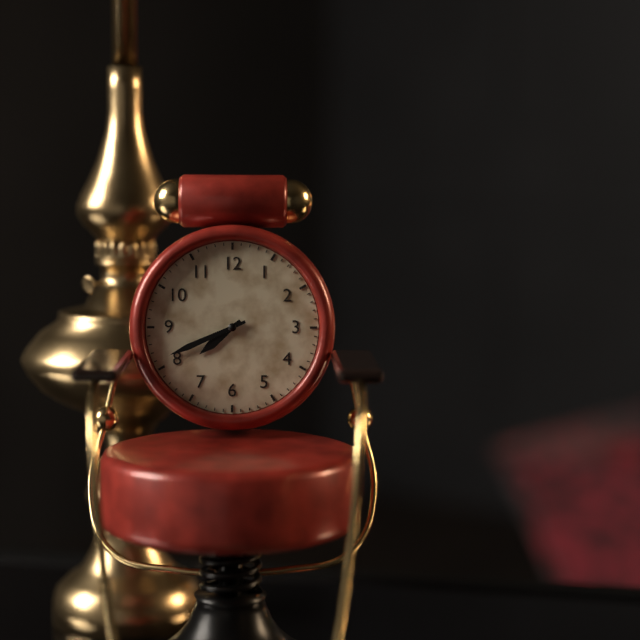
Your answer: 7,41
